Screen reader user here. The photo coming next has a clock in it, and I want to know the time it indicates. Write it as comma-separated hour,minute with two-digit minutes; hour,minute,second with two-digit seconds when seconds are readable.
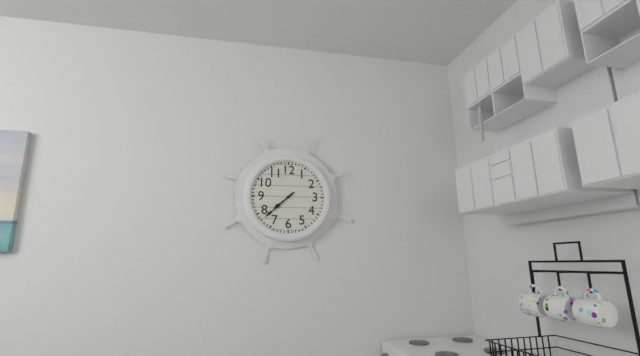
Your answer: 7,38
